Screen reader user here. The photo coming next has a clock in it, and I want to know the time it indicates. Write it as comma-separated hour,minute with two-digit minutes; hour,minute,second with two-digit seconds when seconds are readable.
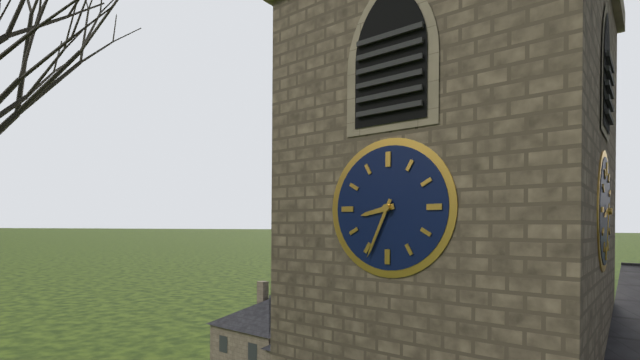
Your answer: 8,34
